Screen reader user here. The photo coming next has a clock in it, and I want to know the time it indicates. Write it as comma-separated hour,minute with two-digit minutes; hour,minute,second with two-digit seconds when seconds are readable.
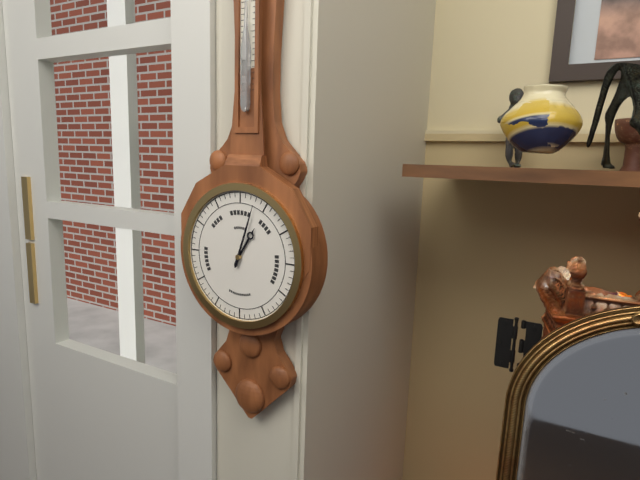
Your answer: 1,03
